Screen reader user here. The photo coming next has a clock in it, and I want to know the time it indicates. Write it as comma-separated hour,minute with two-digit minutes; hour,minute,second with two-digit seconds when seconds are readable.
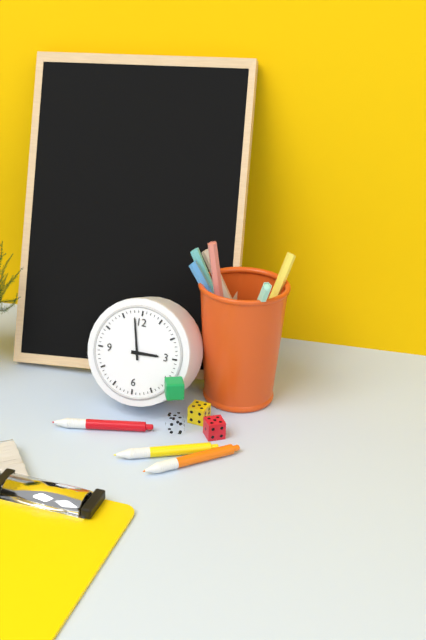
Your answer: 2,58
